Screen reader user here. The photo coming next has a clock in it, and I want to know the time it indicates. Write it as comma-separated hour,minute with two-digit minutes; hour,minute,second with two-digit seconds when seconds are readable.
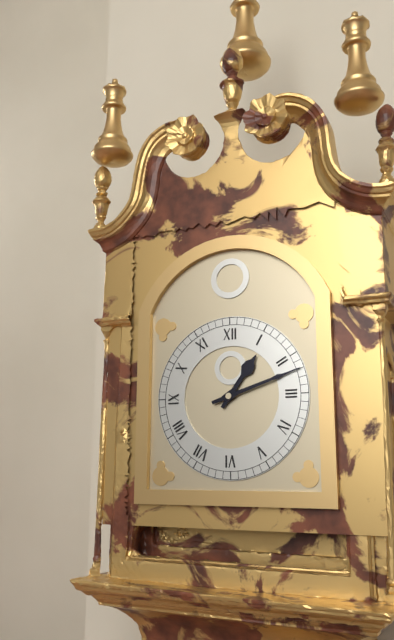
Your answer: 1,12
